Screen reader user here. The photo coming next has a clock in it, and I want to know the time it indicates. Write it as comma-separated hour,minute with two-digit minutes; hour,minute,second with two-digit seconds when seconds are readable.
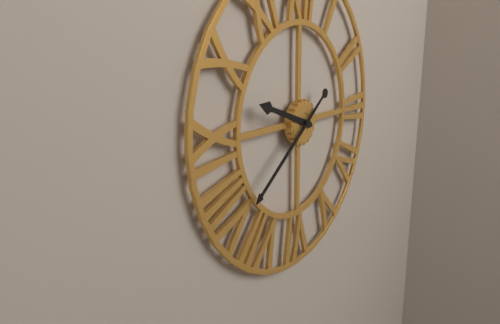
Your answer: 9,39
